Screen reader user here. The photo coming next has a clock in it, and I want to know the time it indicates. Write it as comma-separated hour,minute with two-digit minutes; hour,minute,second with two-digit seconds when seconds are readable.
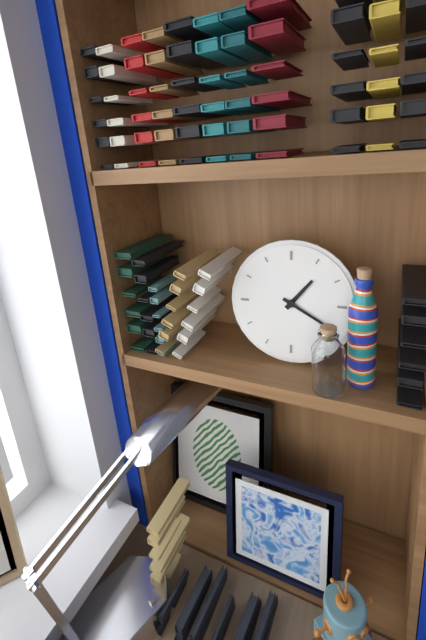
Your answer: 1,20
